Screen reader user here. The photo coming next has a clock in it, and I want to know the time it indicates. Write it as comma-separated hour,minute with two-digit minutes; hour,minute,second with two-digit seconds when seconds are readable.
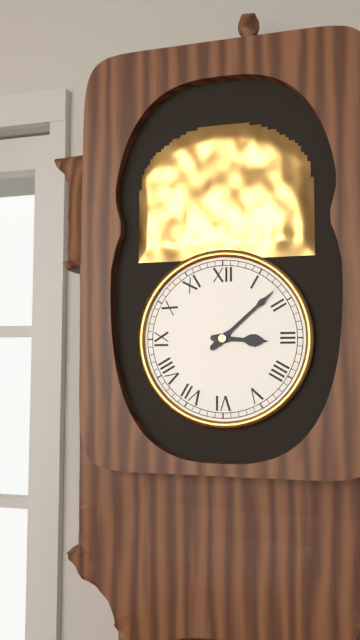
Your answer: 3,08
